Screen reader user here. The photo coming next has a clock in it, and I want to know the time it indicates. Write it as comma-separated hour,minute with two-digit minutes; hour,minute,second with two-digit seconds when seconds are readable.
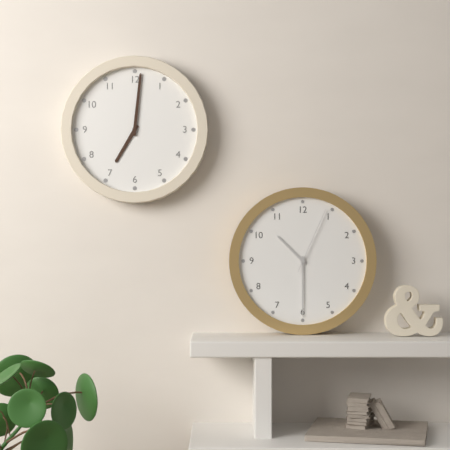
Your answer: 7,01
